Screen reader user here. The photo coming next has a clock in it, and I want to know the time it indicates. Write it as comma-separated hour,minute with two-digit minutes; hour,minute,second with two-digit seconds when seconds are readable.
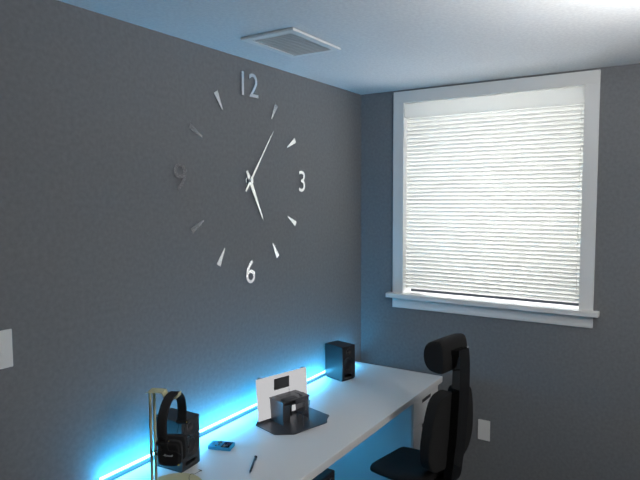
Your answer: 5,06
